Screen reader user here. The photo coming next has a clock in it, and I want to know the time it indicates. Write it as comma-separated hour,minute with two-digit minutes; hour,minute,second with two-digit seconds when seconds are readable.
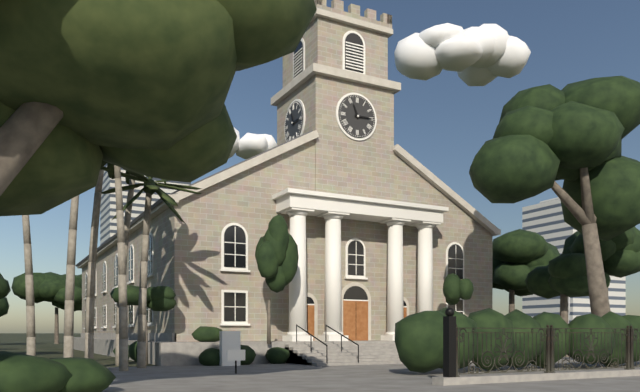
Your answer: 11,15
